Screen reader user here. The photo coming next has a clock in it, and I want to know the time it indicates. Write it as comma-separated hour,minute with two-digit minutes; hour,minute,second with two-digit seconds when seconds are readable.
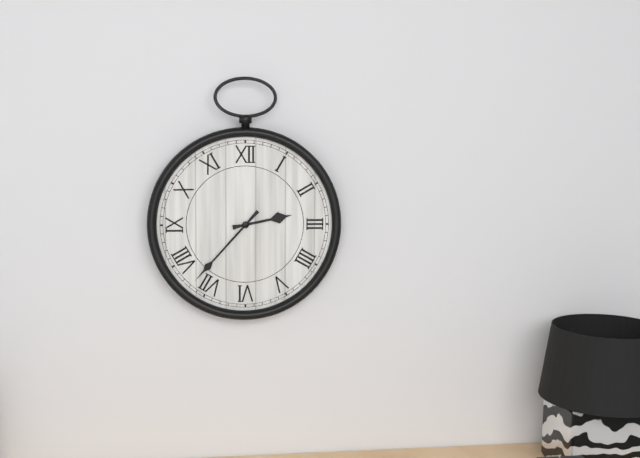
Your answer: 2,37
